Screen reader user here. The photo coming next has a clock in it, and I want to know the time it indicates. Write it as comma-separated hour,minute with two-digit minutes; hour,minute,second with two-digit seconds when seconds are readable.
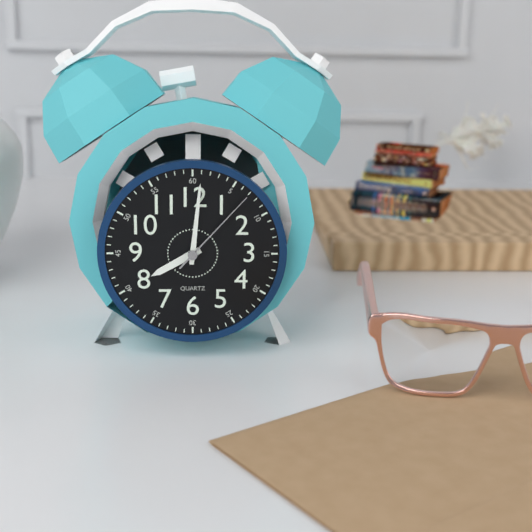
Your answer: 8,01,07
